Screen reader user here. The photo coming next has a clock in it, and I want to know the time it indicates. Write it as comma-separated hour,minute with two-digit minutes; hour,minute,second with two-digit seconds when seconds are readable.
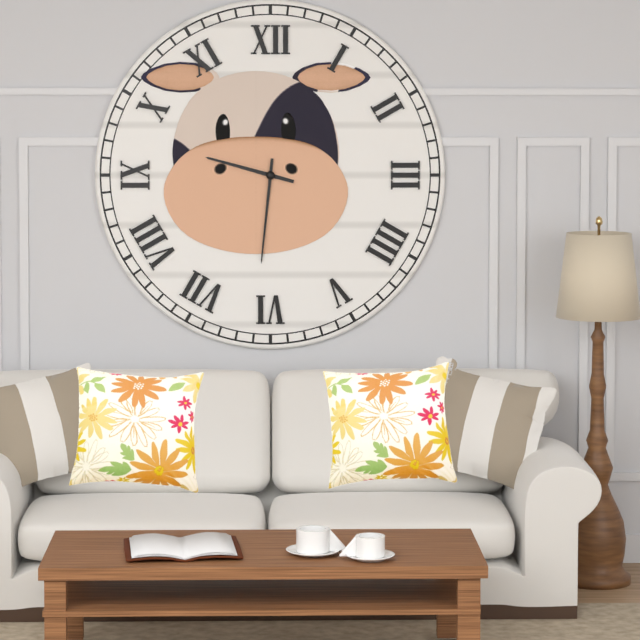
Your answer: 9,31
